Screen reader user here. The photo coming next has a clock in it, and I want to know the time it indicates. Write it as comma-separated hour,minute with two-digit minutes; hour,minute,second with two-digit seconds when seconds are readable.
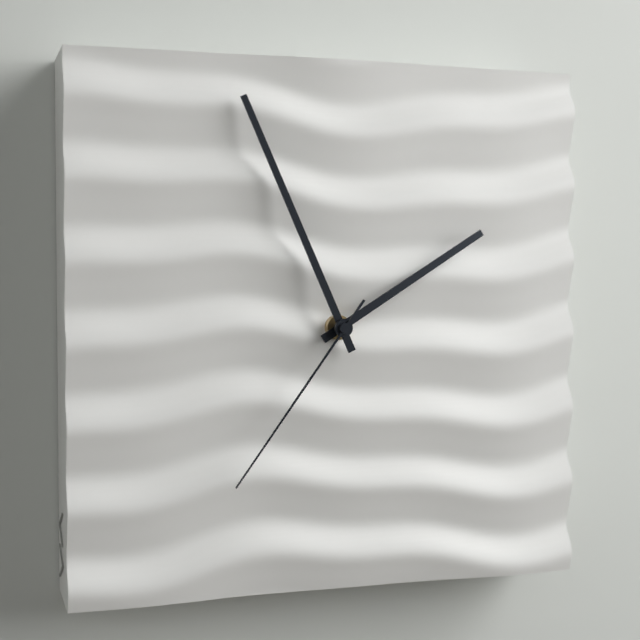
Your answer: 1,56,36
